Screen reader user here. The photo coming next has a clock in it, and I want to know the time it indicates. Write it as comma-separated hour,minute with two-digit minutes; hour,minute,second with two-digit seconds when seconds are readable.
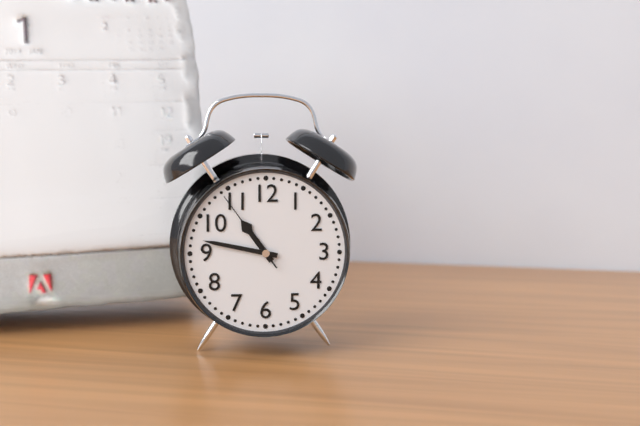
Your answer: 10,47,54
